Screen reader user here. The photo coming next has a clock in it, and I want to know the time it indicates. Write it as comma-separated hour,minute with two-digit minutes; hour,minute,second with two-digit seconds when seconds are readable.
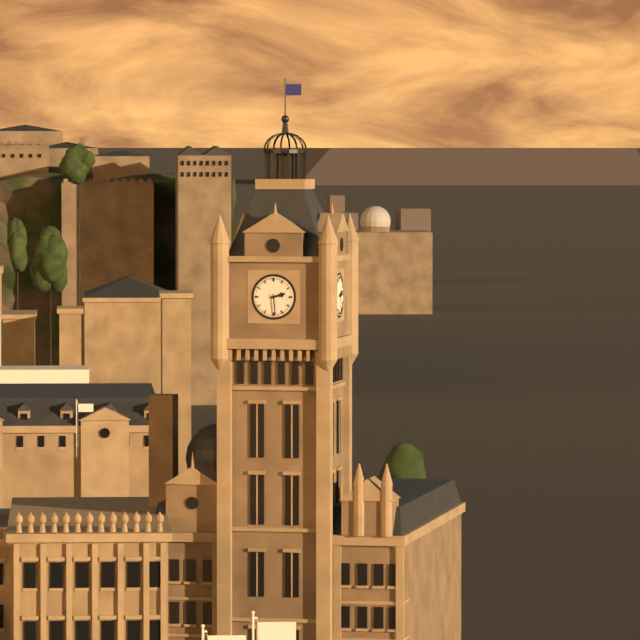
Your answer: 2,29
